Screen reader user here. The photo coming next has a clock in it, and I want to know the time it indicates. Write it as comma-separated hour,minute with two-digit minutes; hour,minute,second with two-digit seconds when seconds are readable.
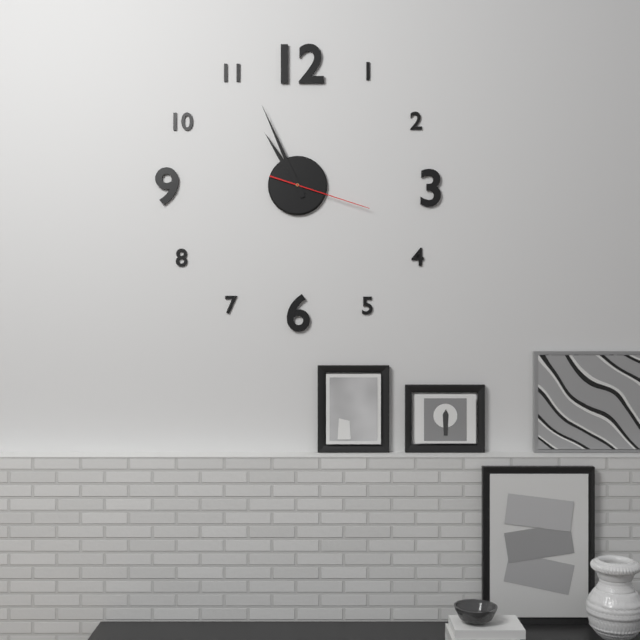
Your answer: 10,56,18
